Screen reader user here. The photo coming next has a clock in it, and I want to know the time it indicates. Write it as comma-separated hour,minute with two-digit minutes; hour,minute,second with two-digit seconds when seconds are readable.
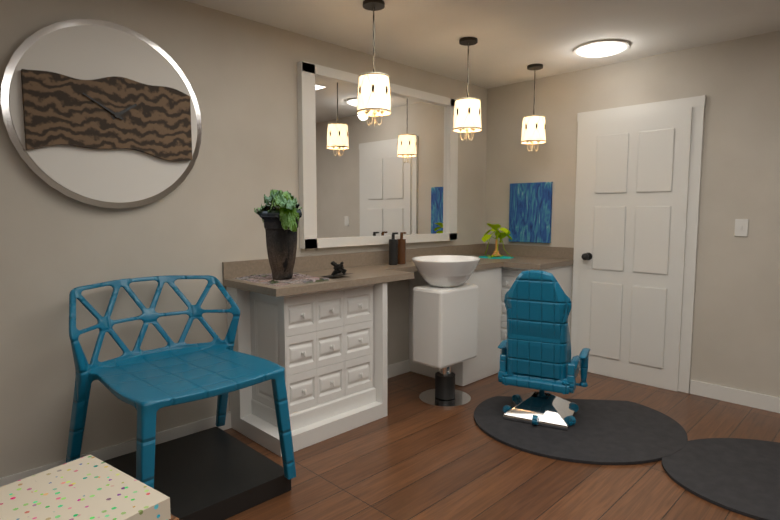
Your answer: 1,50
